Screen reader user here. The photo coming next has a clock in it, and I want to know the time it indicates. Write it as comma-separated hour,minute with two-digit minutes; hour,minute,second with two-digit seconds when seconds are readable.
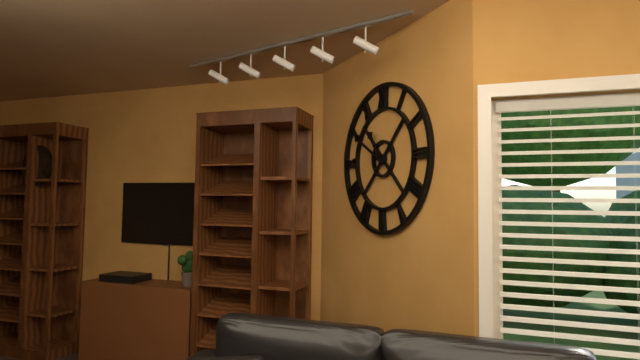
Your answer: 10,50
